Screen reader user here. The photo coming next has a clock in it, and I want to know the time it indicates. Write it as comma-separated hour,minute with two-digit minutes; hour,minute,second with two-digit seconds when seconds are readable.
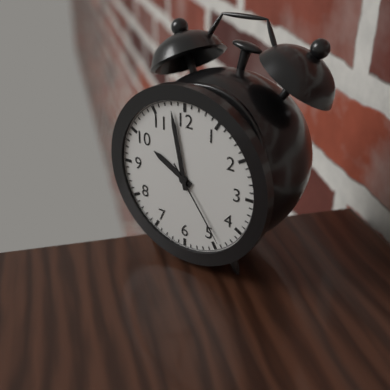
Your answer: 9,58,24
